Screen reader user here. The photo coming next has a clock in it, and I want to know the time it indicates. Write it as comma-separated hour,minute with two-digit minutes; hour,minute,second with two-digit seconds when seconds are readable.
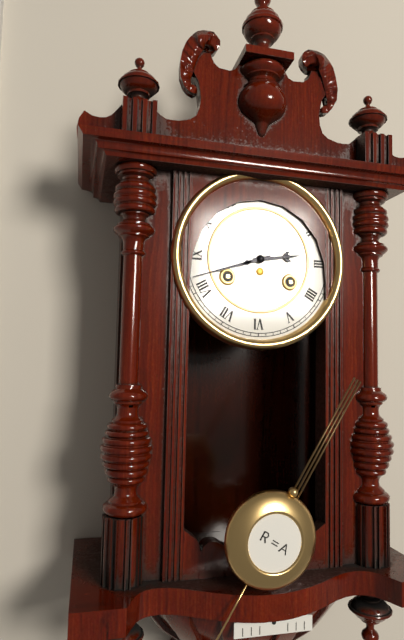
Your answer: 2,42
